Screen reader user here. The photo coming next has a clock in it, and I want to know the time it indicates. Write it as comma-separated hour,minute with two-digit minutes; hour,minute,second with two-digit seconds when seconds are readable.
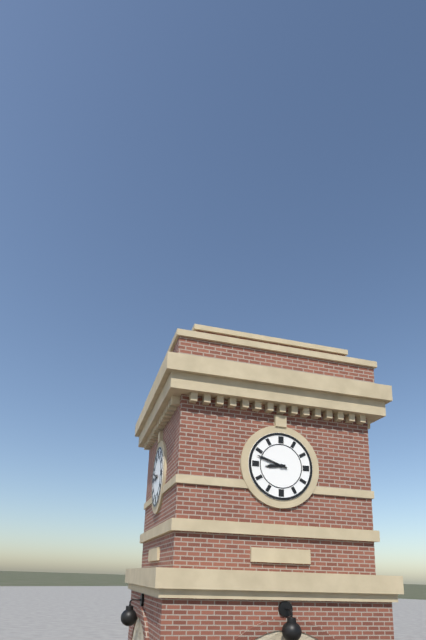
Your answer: 8,48
